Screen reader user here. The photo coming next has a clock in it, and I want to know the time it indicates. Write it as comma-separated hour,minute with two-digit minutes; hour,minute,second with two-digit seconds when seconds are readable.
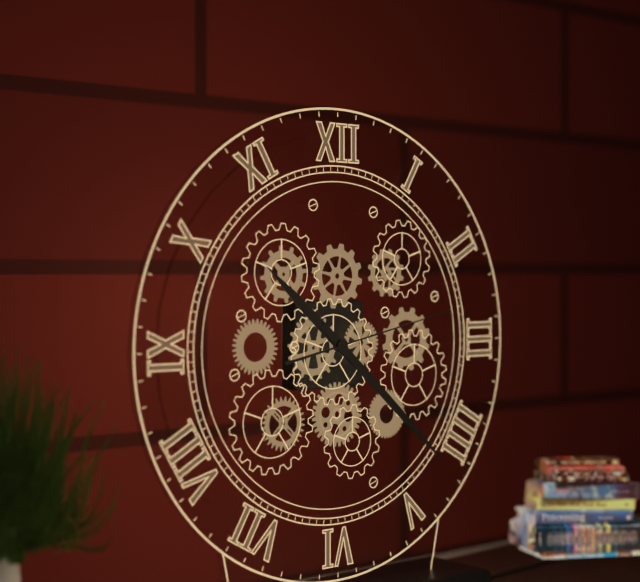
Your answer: 10,22,13
